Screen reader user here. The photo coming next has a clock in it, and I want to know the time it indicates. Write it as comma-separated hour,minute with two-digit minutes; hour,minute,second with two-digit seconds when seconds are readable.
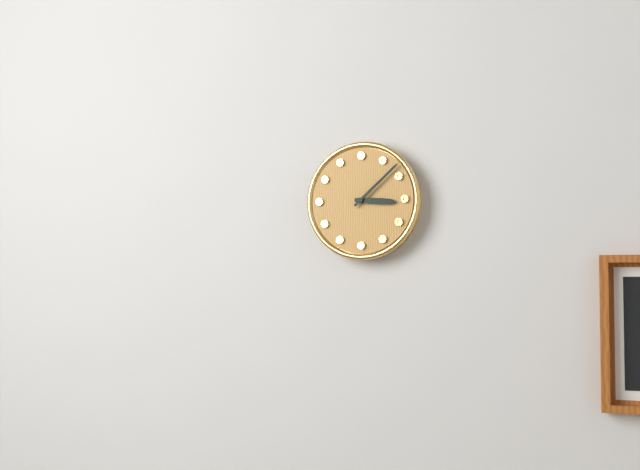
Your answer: 3,08
